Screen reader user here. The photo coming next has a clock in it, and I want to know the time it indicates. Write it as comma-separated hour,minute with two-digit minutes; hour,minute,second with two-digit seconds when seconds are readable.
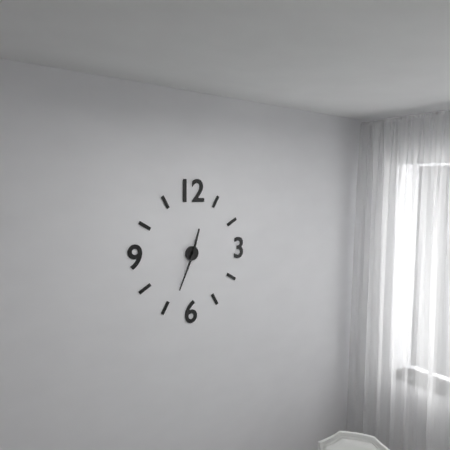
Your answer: 12,34
